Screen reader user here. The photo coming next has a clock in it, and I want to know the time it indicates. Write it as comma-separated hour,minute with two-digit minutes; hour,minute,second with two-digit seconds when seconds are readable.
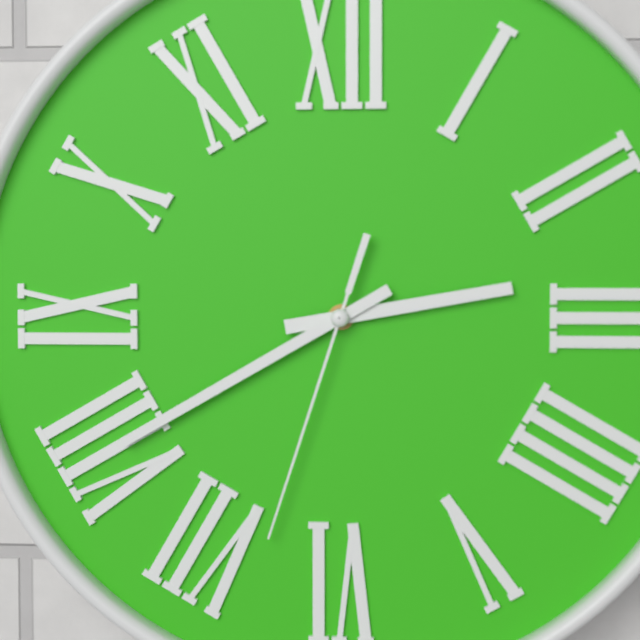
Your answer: 2,40,33
